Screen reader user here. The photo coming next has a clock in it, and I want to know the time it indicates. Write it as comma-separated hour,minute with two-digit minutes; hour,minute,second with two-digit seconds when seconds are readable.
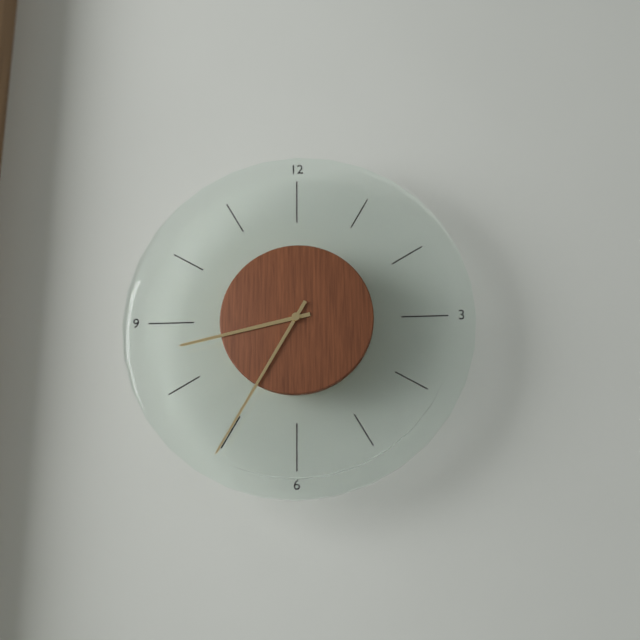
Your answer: 8,35
